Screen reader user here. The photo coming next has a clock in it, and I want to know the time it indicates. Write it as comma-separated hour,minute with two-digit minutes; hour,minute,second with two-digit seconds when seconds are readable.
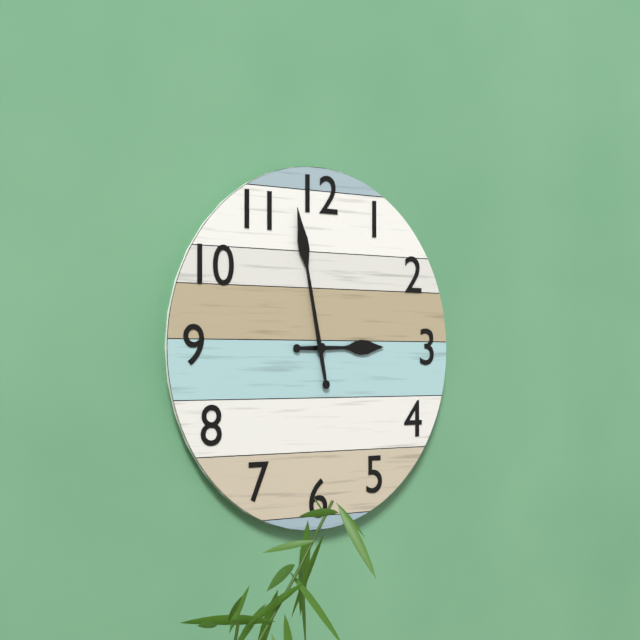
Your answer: 2,58
